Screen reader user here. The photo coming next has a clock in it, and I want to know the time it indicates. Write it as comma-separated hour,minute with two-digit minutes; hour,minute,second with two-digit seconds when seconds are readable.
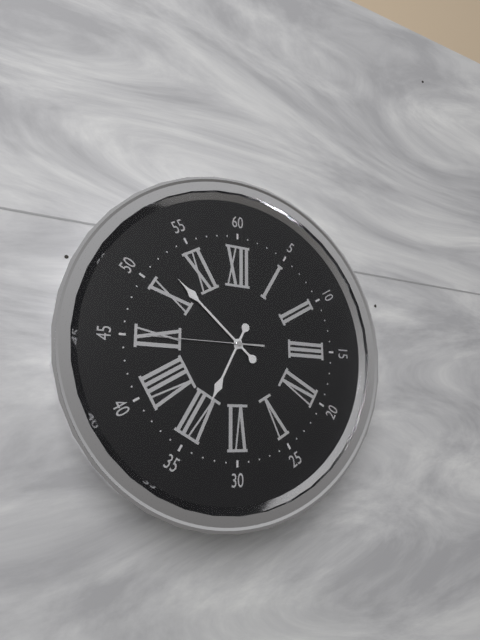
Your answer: 6,52,45
